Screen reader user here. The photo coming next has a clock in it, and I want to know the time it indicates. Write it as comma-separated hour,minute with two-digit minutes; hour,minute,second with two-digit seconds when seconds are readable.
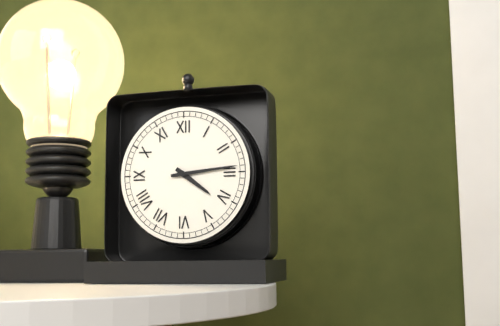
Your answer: 4,14
